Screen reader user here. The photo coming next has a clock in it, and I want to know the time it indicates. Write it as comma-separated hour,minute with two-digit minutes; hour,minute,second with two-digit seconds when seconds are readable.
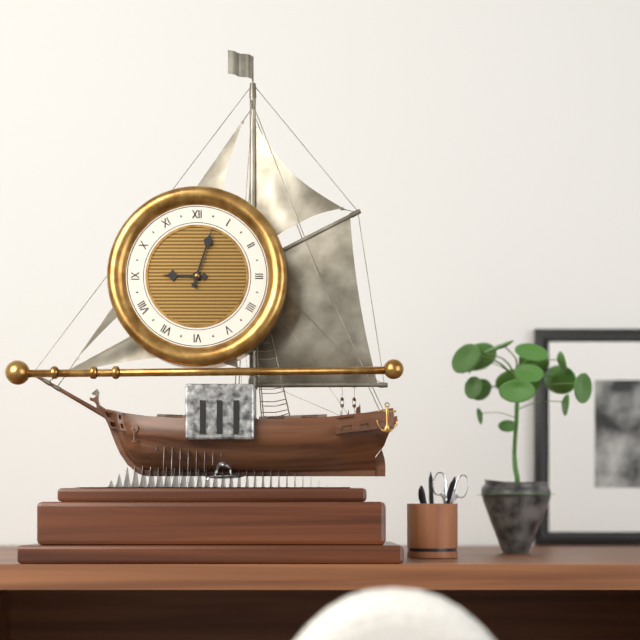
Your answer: 9,03
